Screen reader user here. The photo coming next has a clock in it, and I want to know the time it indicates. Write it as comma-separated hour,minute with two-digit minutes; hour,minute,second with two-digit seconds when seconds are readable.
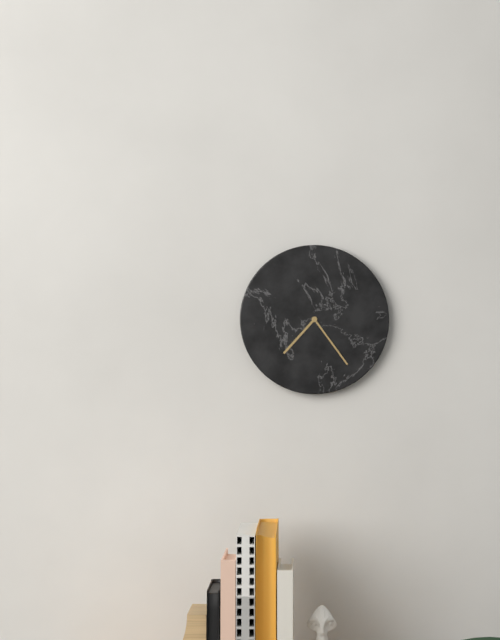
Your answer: 7,24
